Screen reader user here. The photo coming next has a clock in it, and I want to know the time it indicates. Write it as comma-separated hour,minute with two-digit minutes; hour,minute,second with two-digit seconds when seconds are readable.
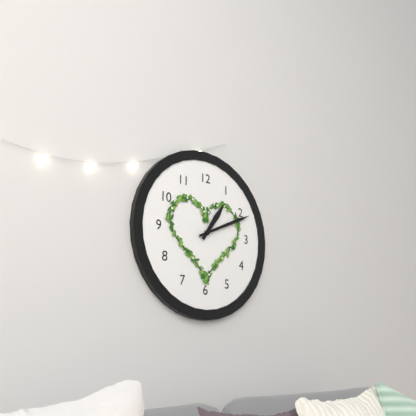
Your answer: 1,11
